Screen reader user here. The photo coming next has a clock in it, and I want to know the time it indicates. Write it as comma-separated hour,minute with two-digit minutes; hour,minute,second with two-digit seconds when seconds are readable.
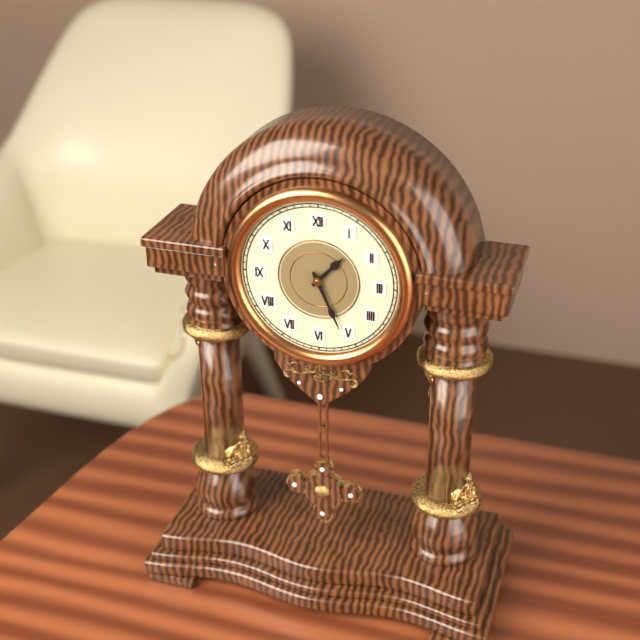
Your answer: 1,26
